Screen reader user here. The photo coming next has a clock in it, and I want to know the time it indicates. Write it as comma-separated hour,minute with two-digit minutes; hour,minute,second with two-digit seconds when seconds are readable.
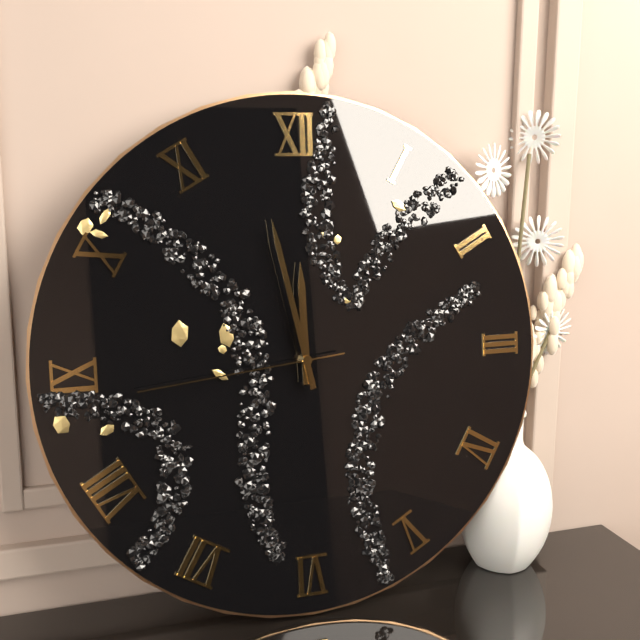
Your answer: 11,58,44
